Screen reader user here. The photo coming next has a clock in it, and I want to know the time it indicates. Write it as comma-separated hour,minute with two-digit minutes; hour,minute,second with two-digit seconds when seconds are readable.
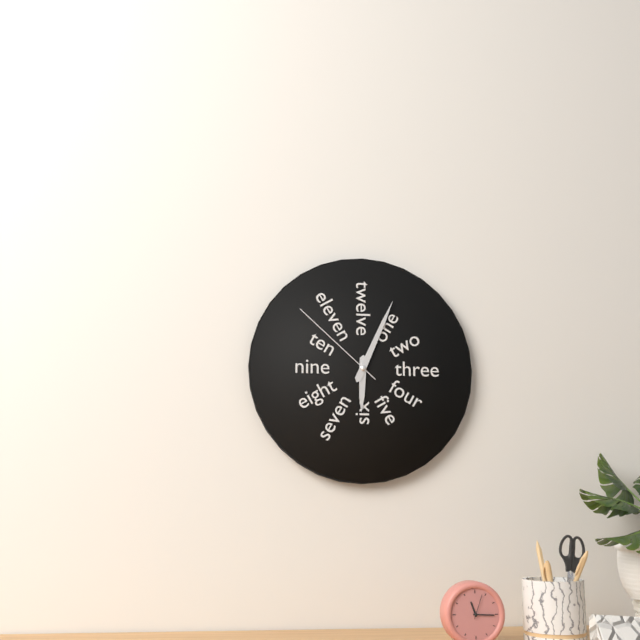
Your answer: 6,04,52
